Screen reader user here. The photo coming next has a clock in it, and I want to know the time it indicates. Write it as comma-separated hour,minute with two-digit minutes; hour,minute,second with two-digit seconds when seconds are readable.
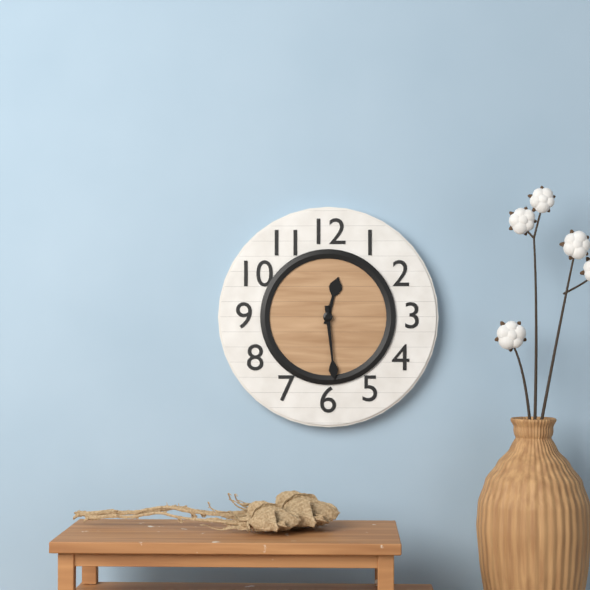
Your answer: 12,29
